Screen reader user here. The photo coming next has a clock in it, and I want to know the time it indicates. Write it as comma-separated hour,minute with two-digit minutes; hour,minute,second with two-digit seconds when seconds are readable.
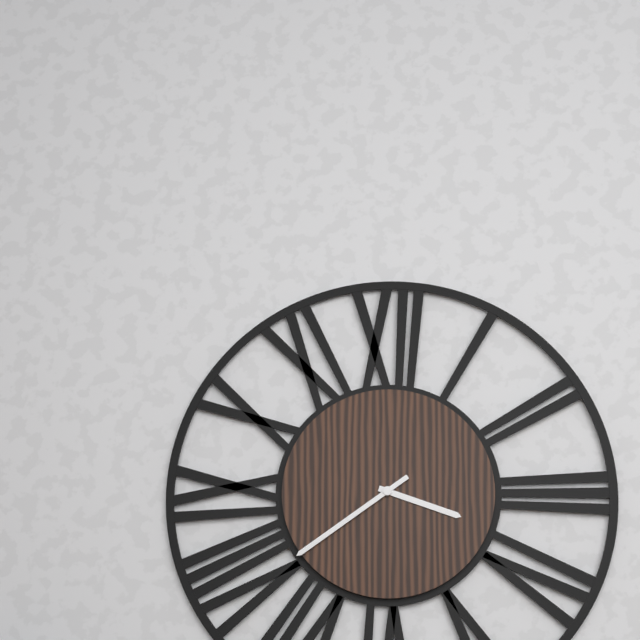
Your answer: 3,39
